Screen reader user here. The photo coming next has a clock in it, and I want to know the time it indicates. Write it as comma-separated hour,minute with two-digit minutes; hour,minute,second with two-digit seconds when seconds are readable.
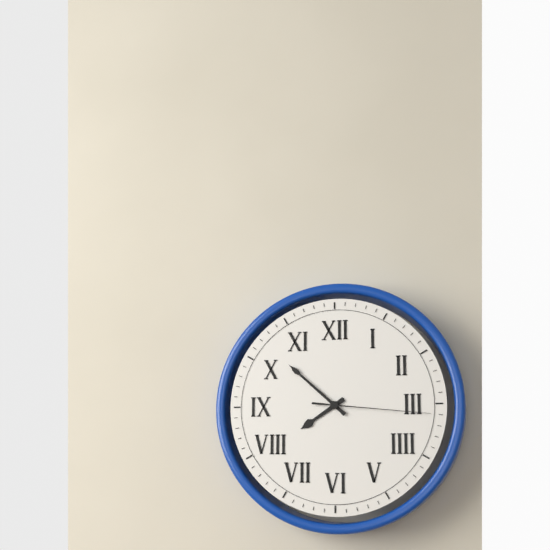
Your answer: 7,52,16
